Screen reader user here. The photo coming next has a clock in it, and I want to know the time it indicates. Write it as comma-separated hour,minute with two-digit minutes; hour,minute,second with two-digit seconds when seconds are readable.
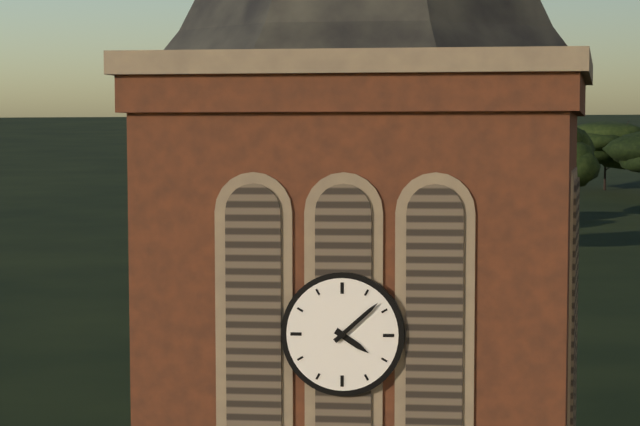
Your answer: 4,08
